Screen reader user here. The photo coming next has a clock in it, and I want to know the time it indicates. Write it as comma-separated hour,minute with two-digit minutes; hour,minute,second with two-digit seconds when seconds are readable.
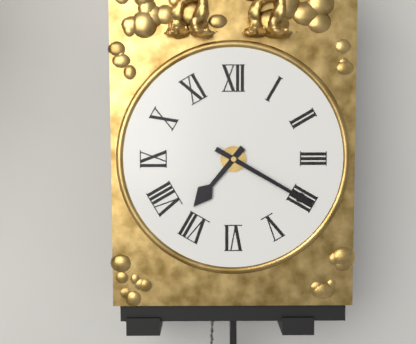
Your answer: 7,20
